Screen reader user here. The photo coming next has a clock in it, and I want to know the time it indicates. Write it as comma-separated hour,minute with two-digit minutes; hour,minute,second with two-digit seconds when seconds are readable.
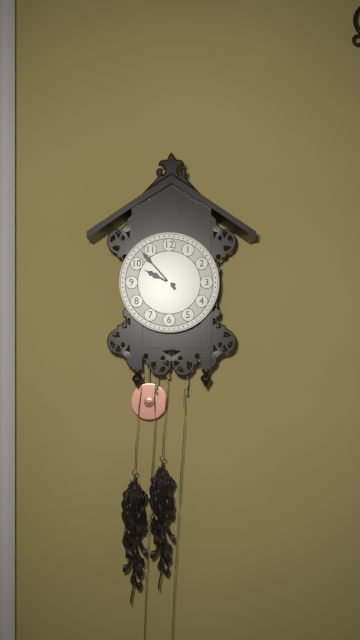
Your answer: 9,53
